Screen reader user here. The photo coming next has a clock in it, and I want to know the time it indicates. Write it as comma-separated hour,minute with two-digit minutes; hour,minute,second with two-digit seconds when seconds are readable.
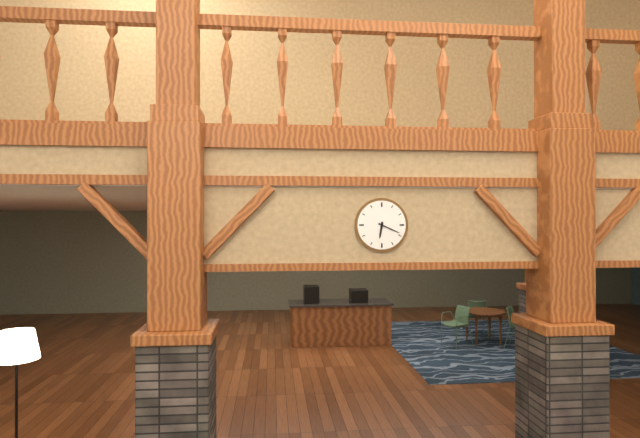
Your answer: 6,19
